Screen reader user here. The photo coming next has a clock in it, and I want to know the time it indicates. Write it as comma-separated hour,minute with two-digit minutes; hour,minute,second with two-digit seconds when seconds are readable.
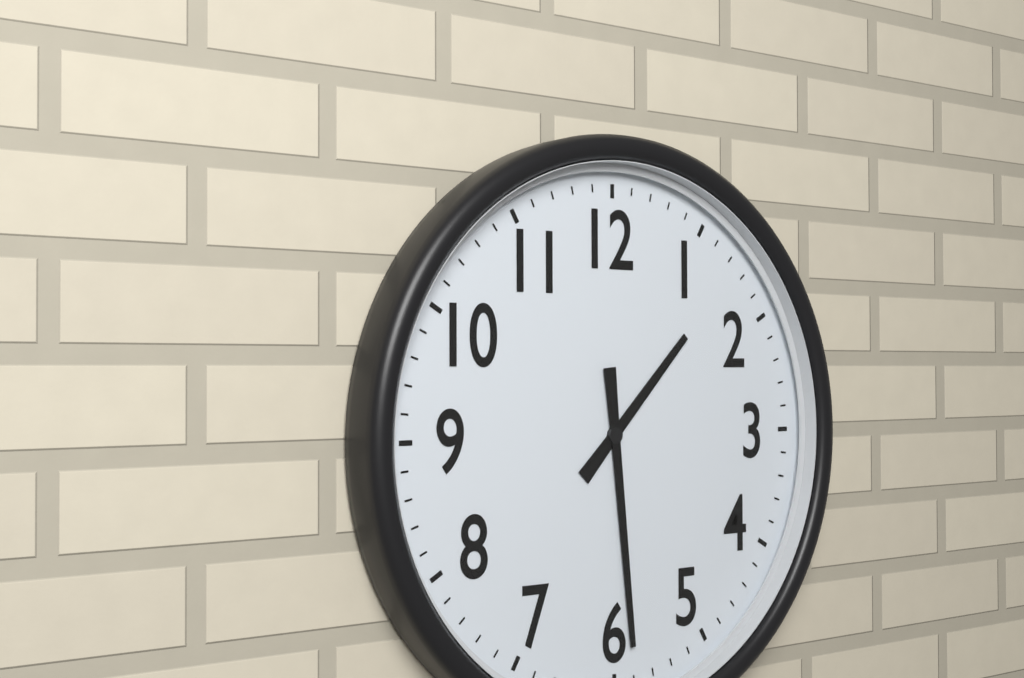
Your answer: 1,29
